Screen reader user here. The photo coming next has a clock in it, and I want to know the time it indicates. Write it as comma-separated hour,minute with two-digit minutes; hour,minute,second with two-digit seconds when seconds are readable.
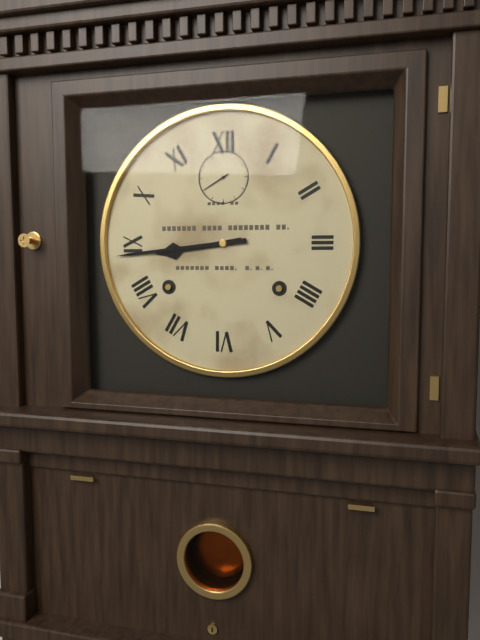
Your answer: 8,44
